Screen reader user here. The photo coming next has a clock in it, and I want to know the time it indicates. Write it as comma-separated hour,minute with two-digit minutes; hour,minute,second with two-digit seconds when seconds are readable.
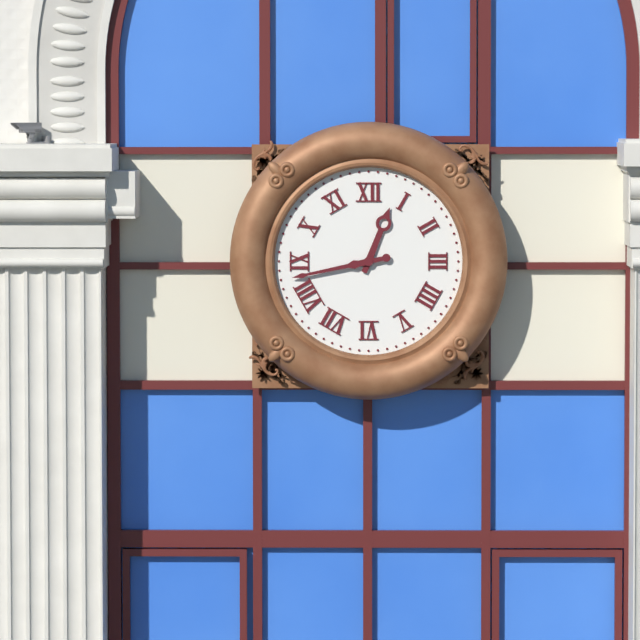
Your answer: 12,43
